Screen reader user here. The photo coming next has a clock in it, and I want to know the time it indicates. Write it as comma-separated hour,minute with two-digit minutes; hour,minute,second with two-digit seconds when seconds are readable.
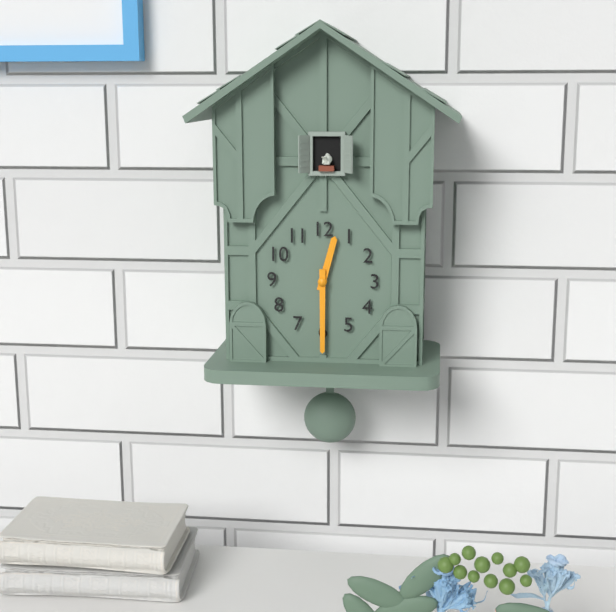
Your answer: 12,30
